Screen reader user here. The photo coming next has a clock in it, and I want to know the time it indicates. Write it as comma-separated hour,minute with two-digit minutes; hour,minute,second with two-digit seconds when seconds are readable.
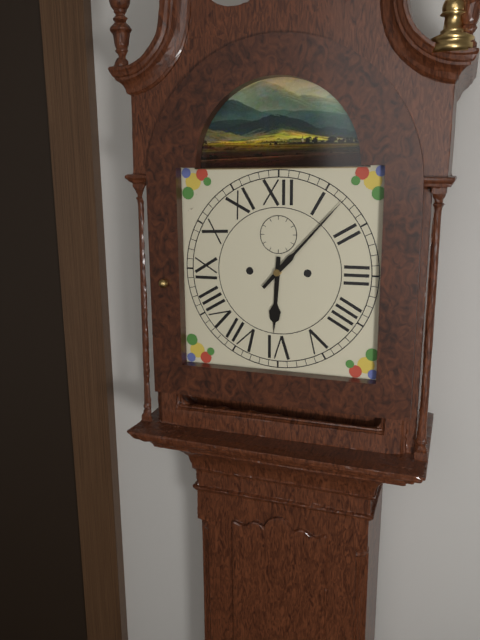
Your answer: 6,07
